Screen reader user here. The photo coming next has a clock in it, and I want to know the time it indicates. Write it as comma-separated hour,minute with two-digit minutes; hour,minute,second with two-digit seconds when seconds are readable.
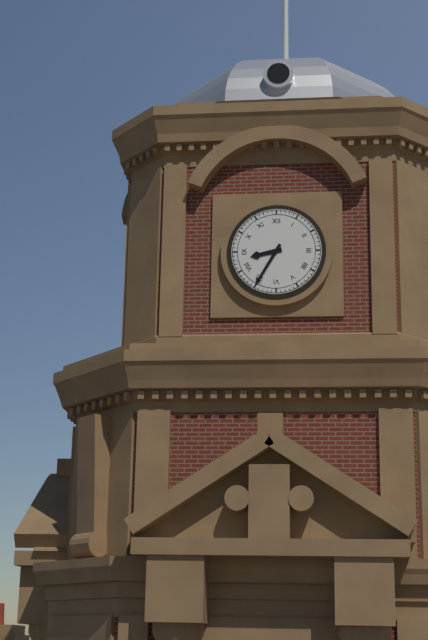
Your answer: 8,35
